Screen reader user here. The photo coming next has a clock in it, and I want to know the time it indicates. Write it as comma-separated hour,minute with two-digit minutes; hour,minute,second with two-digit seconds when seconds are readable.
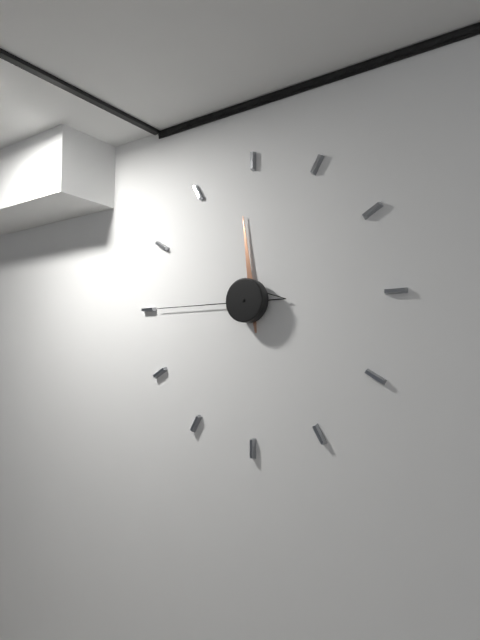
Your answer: 11,45
